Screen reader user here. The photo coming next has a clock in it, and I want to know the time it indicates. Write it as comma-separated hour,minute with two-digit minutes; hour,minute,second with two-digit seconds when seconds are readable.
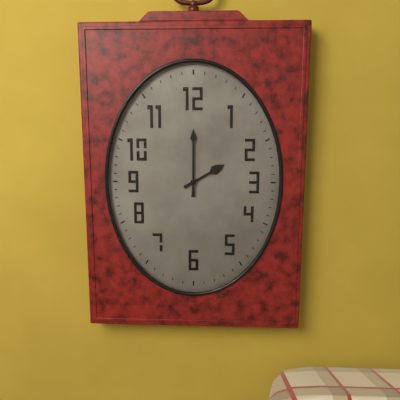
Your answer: 2,00
